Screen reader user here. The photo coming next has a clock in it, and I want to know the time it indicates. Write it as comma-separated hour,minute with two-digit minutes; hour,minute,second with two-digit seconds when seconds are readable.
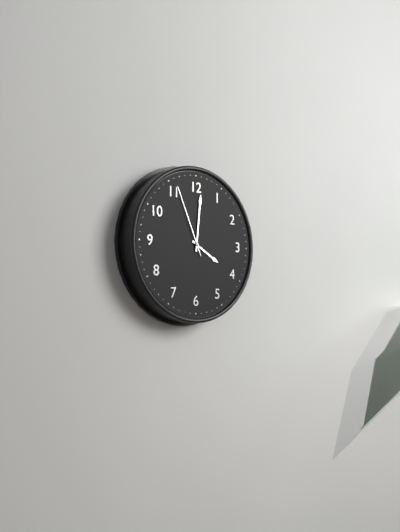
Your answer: 4,01,56
